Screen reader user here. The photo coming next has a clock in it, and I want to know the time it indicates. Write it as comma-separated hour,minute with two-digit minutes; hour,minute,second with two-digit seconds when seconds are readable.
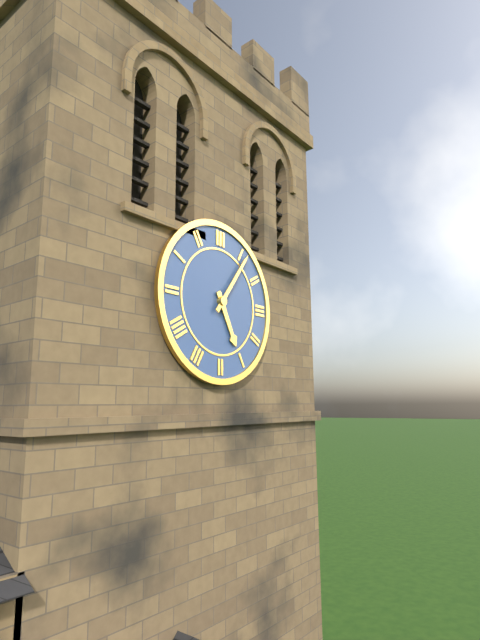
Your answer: 5,06
